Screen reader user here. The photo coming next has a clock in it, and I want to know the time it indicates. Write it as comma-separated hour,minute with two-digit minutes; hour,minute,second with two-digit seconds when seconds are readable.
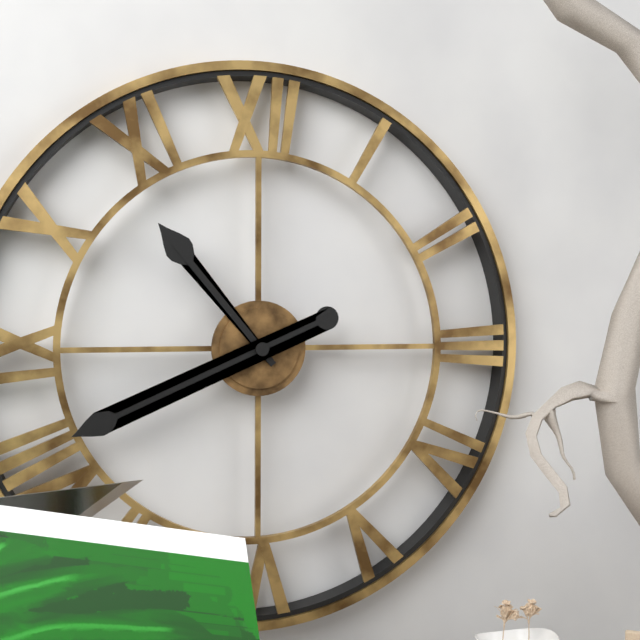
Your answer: 10,41
